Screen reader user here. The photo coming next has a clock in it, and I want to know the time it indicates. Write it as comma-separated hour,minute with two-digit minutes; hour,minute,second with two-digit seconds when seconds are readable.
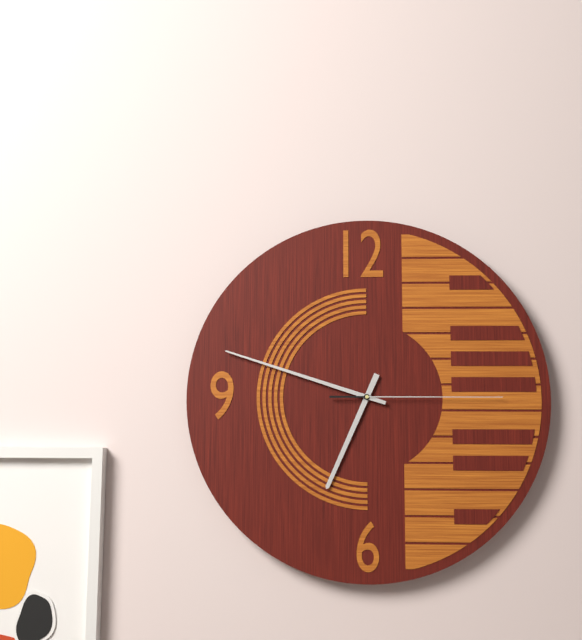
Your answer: 6,48,15
